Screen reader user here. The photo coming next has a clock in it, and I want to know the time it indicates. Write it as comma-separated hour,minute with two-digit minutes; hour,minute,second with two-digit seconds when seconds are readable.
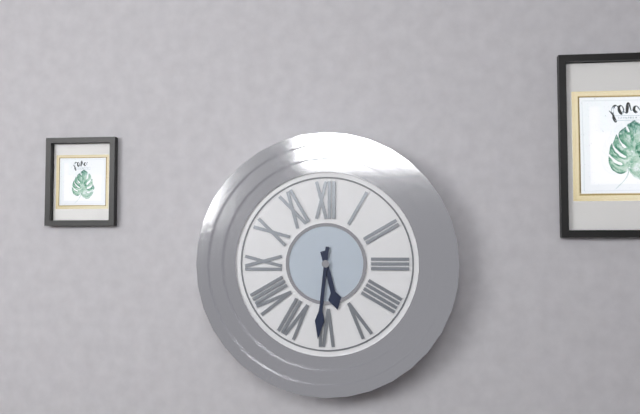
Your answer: 5,31
